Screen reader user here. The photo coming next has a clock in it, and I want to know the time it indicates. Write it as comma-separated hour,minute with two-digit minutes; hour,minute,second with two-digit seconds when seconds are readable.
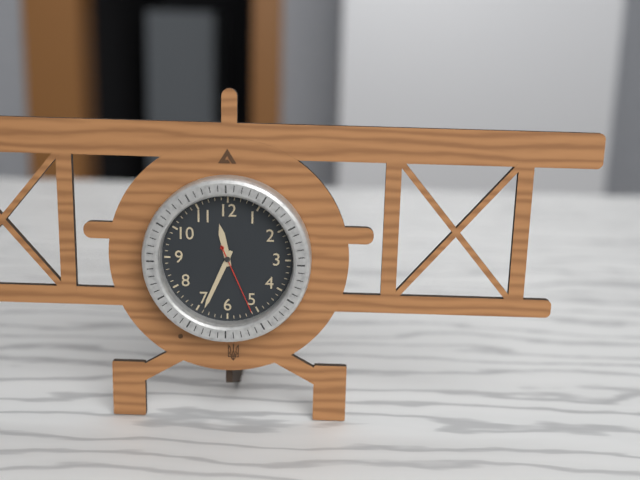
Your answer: 11,34,26
